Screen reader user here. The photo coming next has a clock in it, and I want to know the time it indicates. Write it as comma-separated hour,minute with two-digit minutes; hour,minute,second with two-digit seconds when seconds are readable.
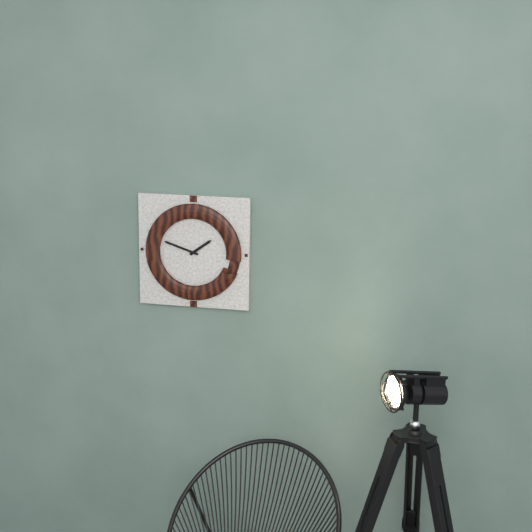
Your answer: 1,48
